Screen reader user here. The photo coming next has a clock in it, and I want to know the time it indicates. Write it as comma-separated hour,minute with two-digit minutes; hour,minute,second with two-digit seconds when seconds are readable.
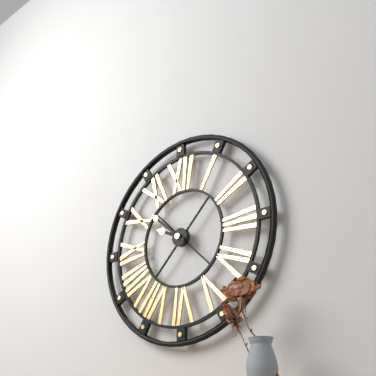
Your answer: 9,52
